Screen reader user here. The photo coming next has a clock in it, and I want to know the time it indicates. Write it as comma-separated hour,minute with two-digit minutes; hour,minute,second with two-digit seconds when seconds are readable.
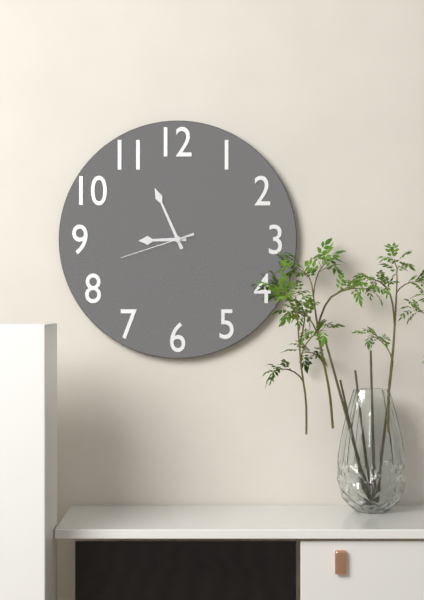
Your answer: 8,56,42
